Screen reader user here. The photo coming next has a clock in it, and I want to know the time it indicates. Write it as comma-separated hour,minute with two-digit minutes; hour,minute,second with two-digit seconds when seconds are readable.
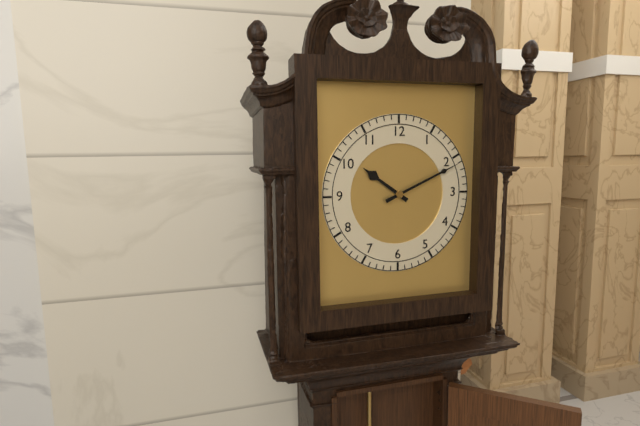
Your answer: 10,11
